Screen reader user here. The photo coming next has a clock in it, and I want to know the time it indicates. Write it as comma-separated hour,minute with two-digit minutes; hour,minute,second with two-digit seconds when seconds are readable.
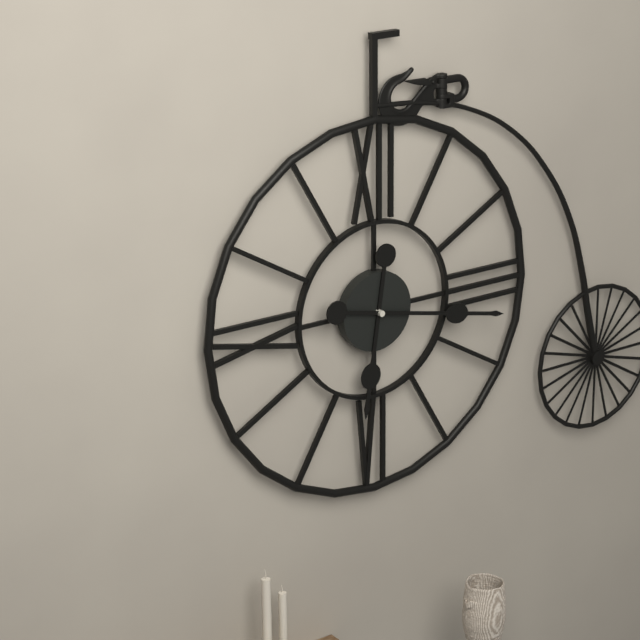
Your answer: 6,17
